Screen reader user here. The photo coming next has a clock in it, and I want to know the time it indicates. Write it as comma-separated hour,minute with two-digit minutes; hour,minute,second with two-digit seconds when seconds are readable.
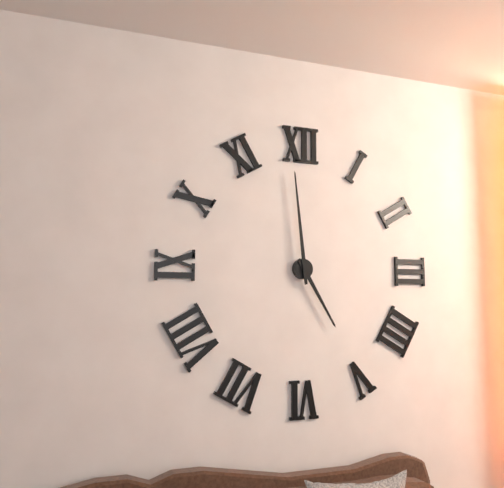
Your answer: 4,59
